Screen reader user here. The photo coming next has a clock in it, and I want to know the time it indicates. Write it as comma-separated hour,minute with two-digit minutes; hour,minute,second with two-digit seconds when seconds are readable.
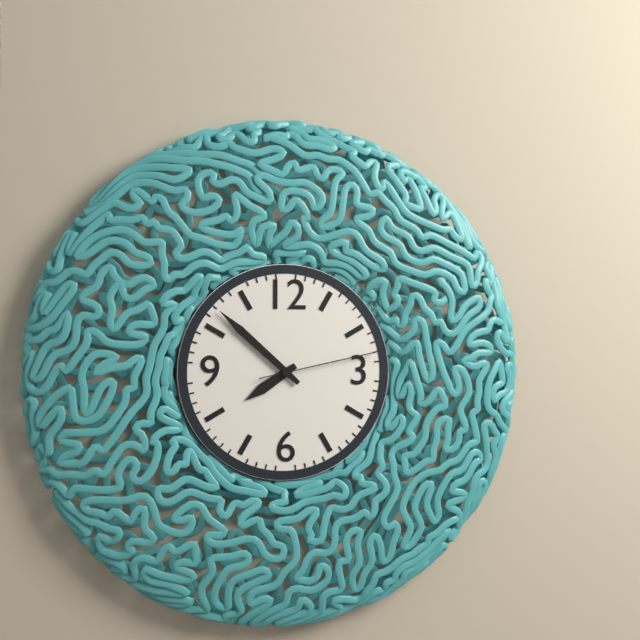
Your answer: 7,52,13
